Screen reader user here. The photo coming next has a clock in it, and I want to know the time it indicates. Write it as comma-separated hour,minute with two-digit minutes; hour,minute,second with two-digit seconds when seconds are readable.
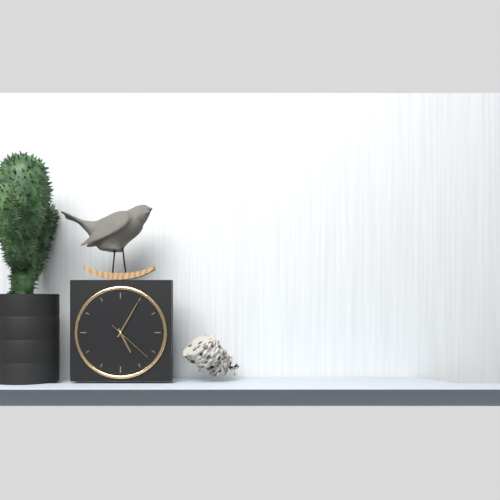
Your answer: 5,05
